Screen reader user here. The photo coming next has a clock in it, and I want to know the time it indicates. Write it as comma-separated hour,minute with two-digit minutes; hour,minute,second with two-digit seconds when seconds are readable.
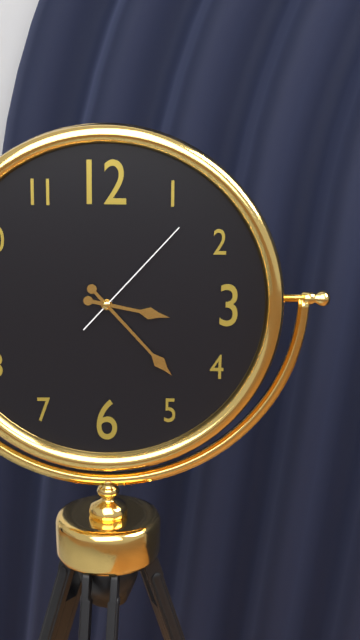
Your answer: 3,23,07
